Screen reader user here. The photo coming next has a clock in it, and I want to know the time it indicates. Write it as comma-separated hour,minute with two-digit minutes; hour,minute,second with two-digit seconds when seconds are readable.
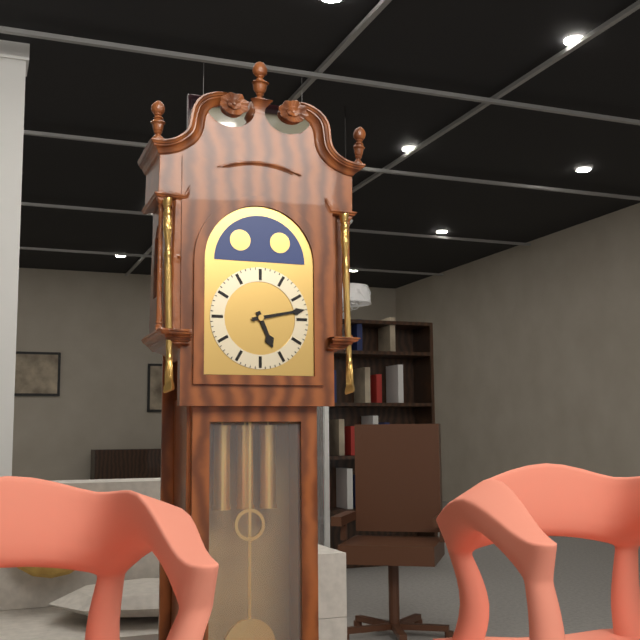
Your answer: 5,13
